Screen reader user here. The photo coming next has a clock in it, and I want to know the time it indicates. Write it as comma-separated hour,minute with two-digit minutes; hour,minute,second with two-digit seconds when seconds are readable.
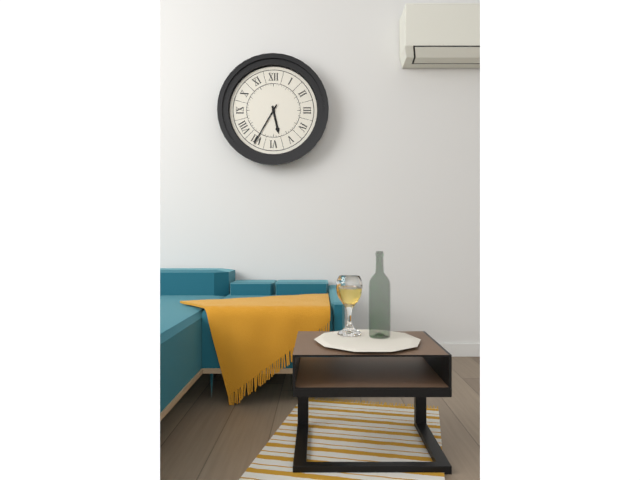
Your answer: 5,35
